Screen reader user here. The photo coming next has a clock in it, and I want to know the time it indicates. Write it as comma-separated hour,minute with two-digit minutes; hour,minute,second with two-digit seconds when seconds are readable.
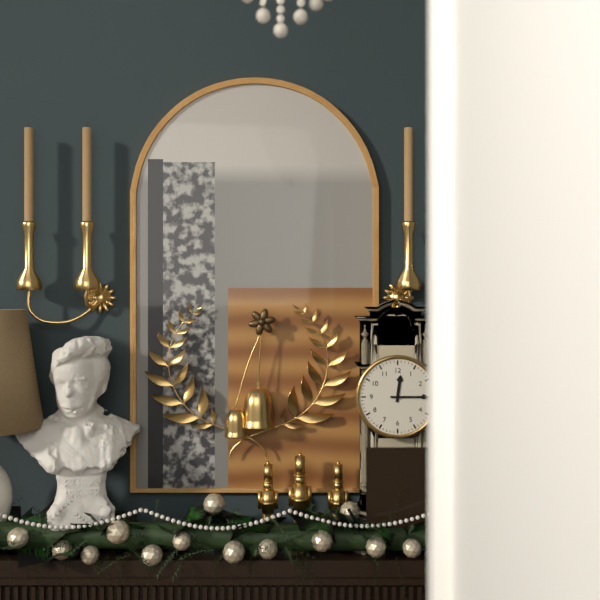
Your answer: 12,15
